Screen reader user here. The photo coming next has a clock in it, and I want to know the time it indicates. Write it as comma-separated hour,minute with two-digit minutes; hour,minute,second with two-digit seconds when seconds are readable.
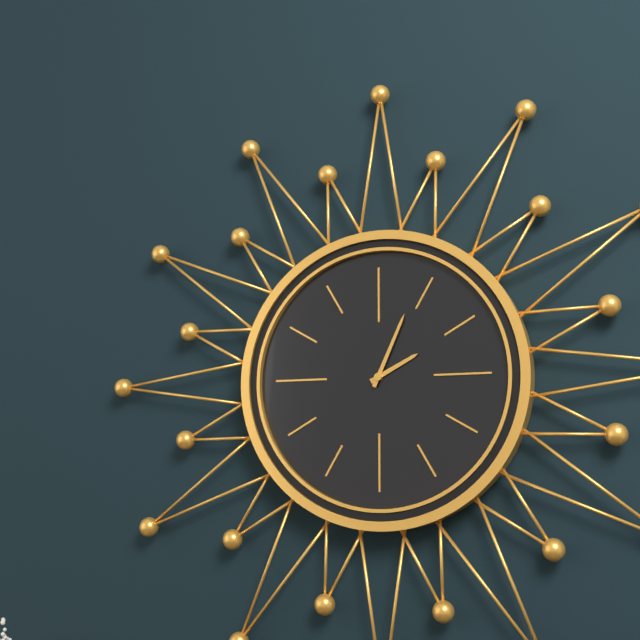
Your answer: 2,04
